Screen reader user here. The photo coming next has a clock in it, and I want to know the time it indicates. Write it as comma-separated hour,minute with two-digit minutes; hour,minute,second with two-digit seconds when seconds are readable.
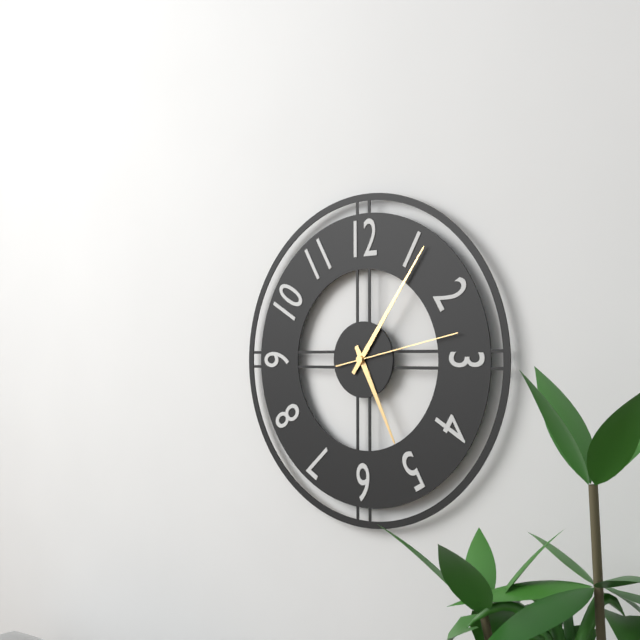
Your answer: 5,06,13
